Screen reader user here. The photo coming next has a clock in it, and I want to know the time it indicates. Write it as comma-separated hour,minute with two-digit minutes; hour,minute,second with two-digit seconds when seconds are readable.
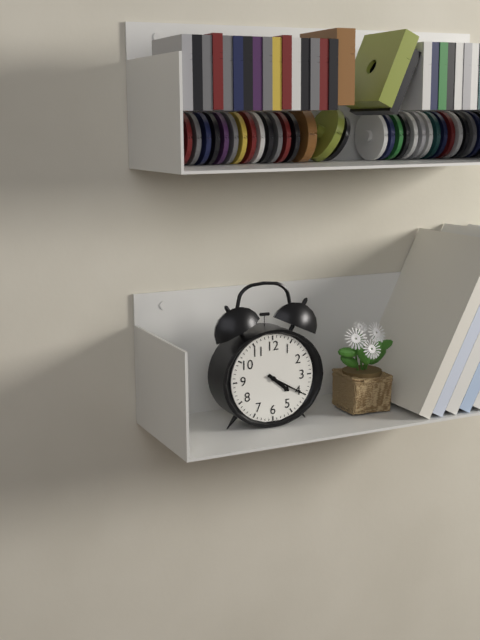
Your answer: 4,20
